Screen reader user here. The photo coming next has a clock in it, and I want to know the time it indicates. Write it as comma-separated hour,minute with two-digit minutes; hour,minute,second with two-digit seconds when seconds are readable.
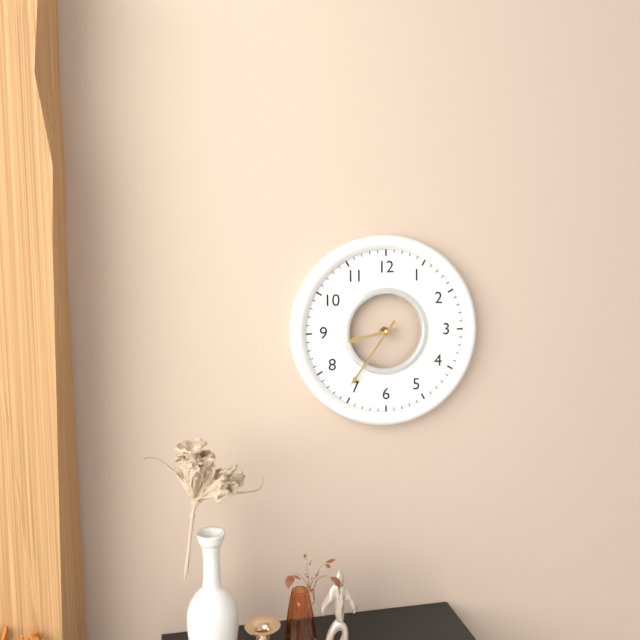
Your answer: 8,36
